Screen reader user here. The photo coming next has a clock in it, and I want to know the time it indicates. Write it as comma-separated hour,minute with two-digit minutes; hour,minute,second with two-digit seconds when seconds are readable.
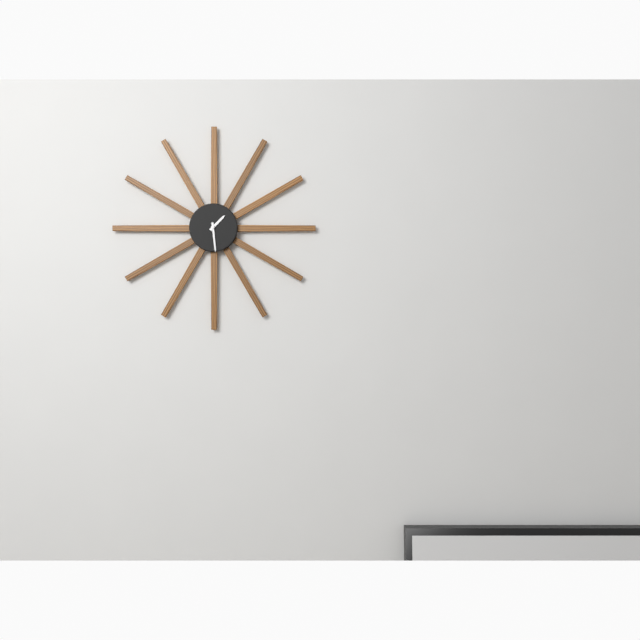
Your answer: 1,29
